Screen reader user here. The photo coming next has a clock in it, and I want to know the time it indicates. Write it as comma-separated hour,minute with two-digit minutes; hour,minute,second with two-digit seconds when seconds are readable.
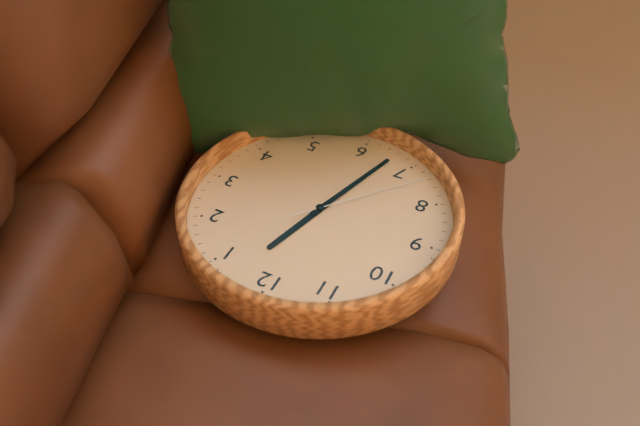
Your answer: 12,33,37
